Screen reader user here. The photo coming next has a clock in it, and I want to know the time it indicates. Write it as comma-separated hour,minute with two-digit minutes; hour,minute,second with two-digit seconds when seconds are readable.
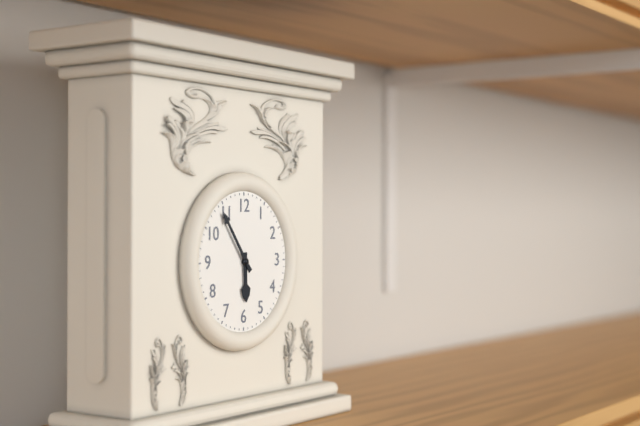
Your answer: 5,54
